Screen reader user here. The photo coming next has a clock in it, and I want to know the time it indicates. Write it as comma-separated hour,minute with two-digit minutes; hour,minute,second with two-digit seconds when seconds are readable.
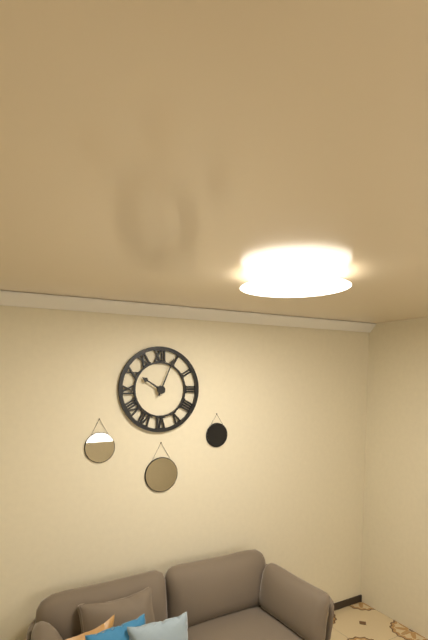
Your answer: 10,04
